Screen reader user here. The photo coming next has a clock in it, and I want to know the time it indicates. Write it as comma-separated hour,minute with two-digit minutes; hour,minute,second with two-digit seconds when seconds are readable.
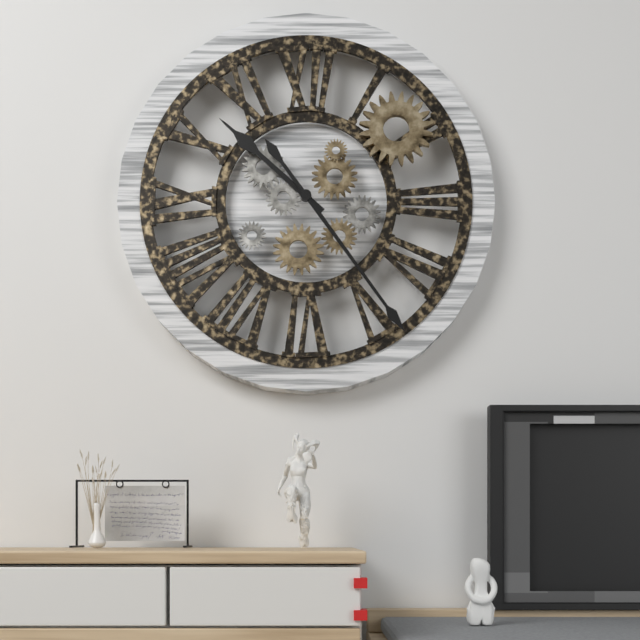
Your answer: 10,24
